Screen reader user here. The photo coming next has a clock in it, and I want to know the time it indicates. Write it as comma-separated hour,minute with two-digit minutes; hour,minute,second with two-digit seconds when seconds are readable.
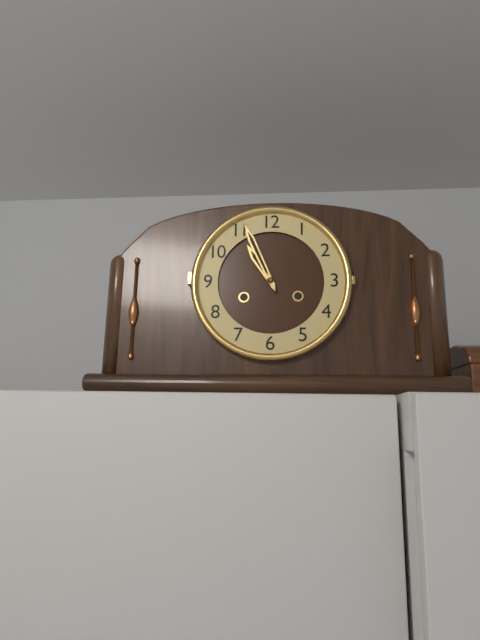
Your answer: 10,56
